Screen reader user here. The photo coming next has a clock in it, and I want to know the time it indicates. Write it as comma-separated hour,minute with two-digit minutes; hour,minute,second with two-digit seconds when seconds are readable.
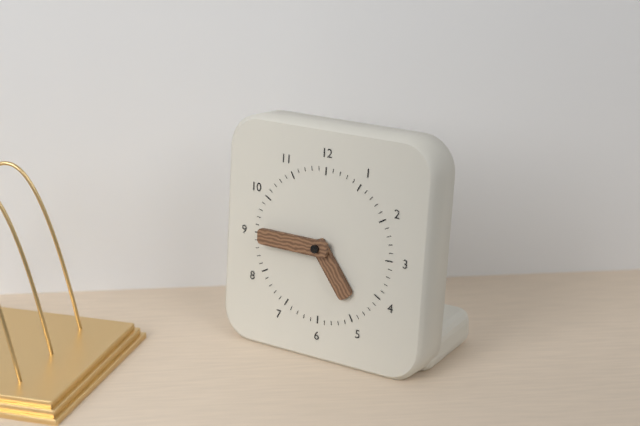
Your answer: 4,45
